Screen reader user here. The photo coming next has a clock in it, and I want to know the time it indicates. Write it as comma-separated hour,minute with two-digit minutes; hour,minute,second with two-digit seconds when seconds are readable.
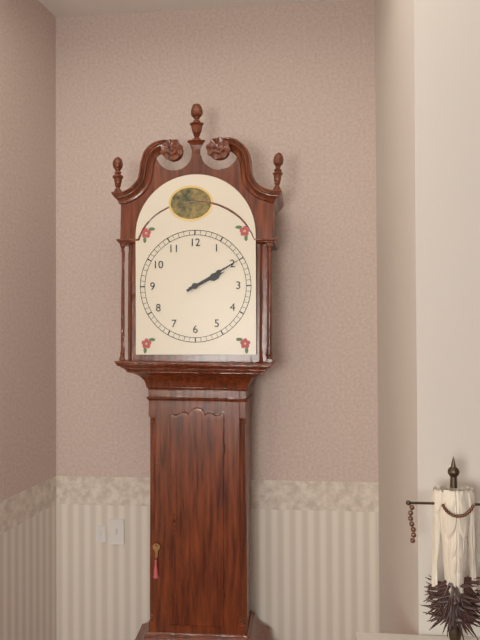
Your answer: 2,10
